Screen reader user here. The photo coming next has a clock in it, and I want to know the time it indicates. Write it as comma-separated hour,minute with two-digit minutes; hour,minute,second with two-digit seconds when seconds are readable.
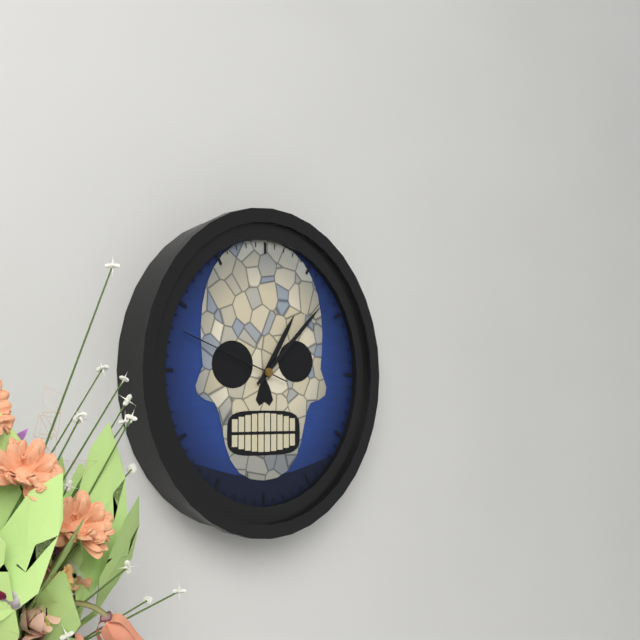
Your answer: 1,08,48
